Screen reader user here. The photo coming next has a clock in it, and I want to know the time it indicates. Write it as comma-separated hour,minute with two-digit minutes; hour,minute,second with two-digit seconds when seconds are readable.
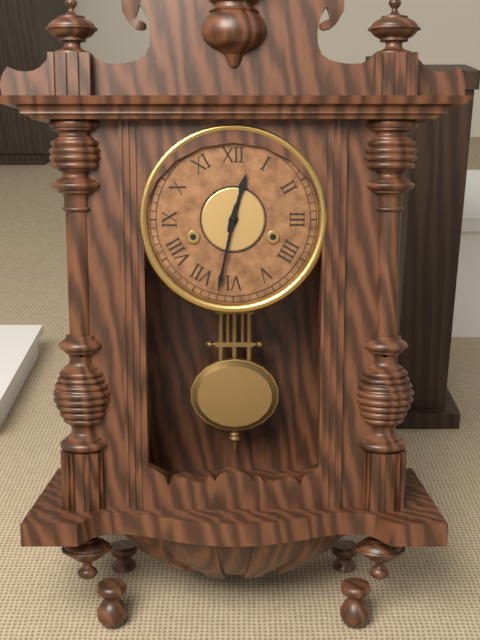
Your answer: 12,32
